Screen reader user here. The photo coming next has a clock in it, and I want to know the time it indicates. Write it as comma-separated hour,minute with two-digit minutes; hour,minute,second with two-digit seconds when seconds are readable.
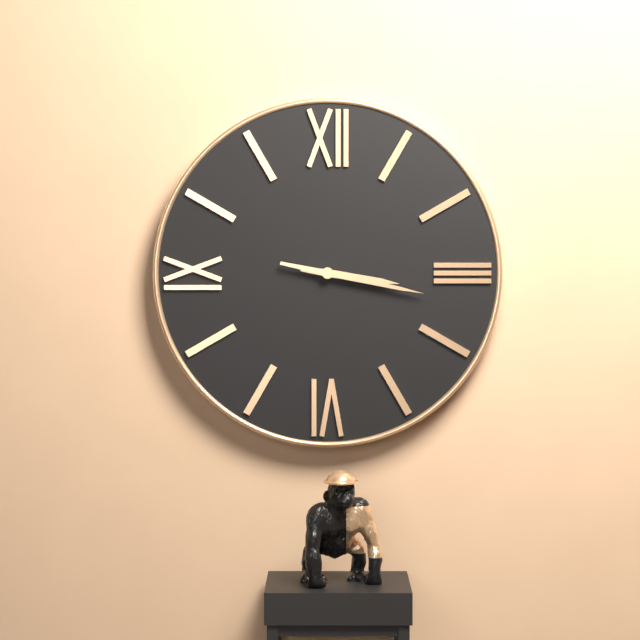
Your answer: 3,17
